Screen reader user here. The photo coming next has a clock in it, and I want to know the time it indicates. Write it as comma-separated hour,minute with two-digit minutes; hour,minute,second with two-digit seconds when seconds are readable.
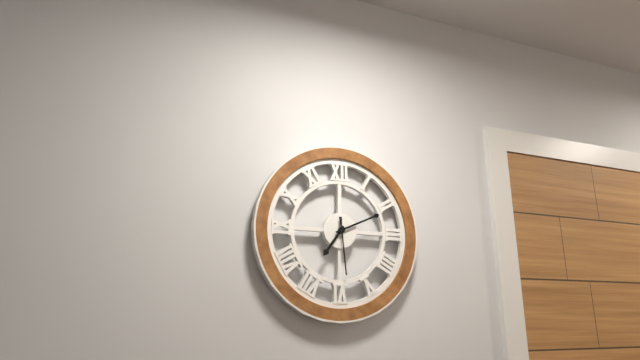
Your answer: 7,11,29
